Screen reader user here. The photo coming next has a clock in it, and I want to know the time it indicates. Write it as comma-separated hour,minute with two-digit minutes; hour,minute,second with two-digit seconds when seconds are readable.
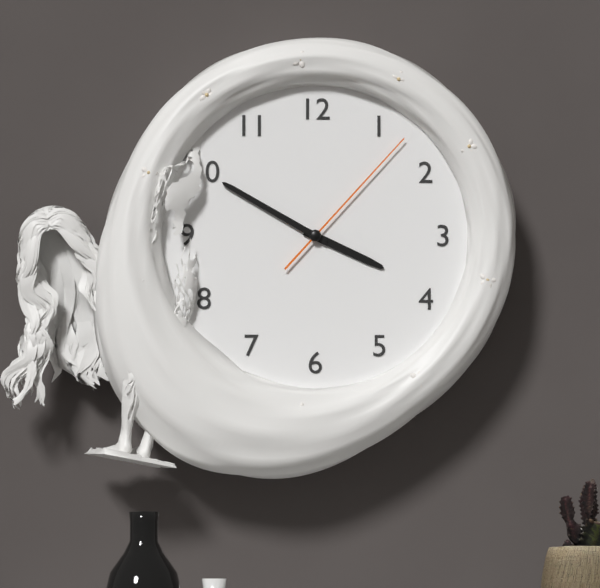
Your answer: 3,50,07
